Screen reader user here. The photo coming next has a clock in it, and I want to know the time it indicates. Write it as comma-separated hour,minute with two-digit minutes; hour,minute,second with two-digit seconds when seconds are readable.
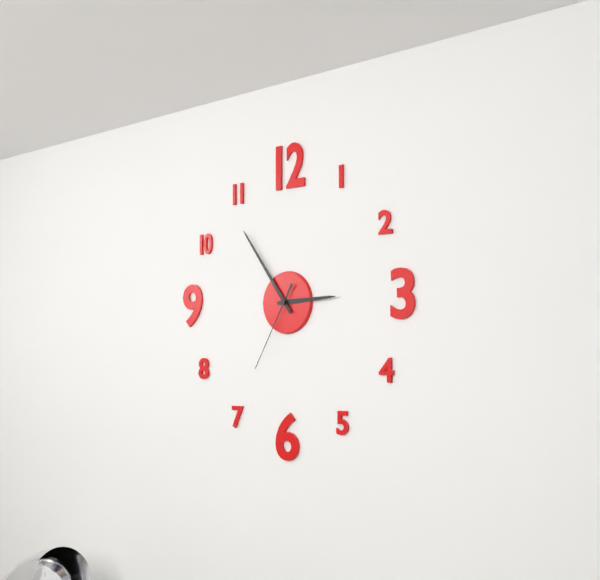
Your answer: 2,54,35
